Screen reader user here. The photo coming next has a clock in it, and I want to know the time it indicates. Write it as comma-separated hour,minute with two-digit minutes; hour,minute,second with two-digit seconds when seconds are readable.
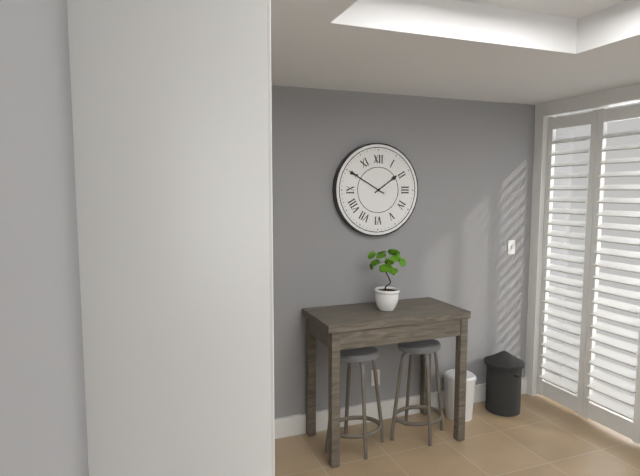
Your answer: 1,50
